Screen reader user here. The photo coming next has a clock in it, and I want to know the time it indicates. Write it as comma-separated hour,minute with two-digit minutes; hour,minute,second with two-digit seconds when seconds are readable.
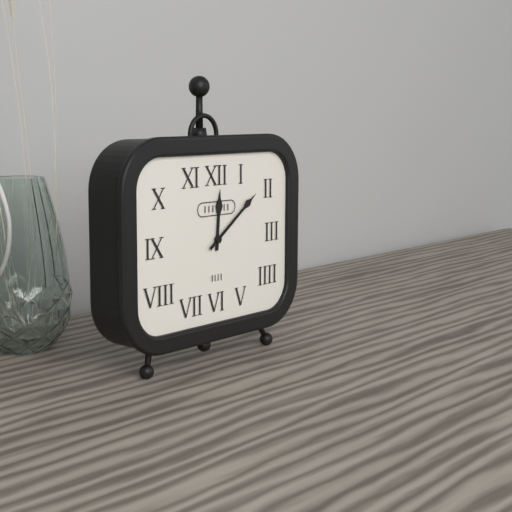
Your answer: 12,09
